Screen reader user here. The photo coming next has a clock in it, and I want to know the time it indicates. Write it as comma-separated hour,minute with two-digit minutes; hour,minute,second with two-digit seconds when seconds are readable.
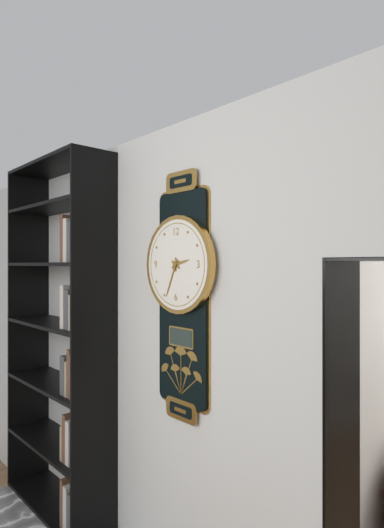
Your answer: 2,34
